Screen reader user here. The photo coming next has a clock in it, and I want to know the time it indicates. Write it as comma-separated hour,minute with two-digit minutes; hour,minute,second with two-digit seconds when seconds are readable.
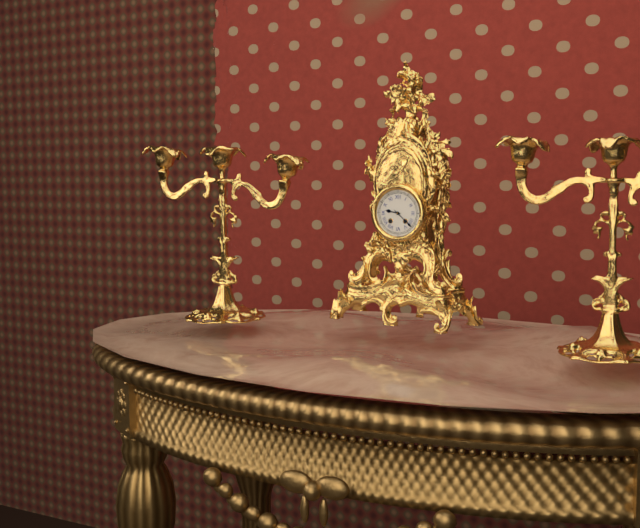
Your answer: 9,22
